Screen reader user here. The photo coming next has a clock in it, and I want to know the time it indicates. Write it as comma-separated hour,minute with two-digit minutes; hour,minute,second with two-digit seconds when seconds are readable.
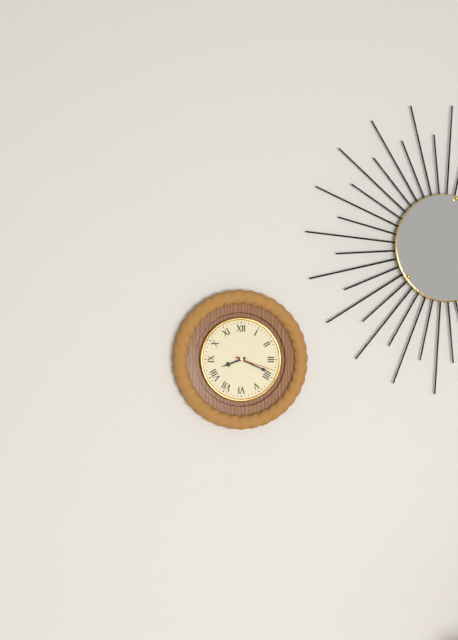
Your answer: 8,19
